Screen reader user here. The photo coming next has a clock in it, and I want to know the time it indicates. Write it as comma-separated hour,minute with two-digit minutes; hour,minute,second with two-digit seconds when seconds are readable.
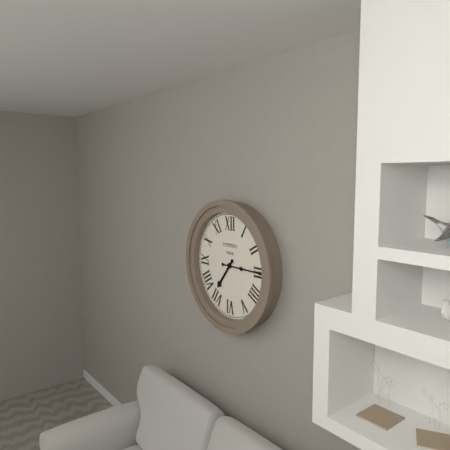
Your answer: 7,15
